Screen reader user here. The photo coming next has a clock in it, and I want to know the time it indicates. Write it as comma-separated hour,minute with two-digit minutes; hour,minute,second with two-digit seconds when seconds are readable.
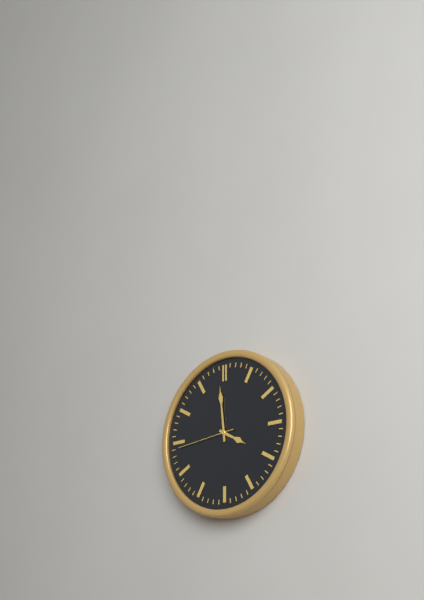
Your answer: 3,59,44
